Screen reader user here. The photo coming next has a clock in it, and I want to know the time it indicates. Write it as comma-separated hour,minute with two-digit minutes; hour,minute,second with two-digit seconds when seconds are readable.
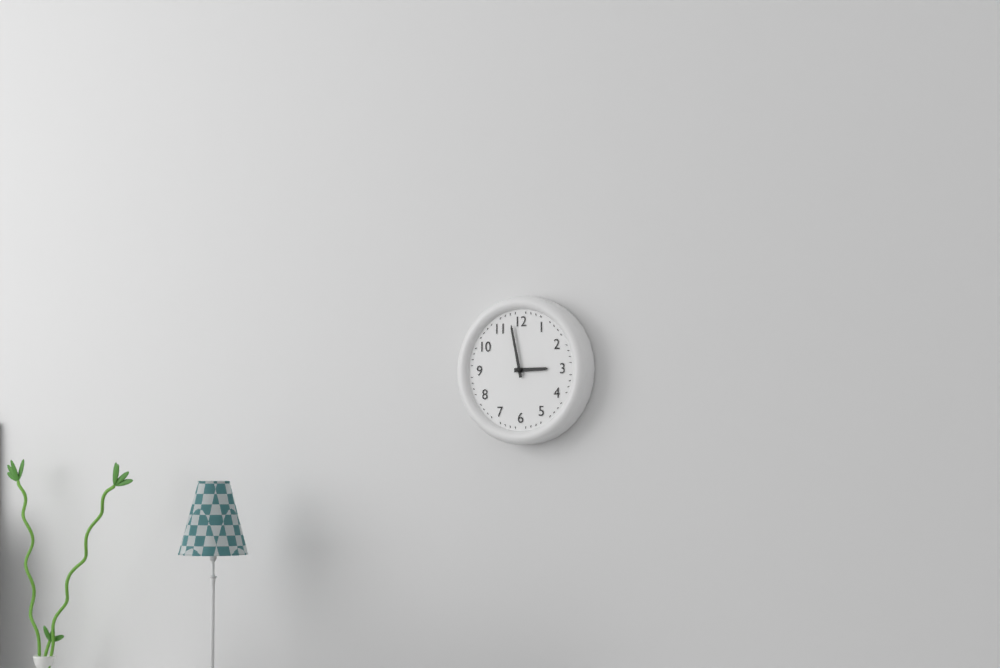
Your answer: 2,58
